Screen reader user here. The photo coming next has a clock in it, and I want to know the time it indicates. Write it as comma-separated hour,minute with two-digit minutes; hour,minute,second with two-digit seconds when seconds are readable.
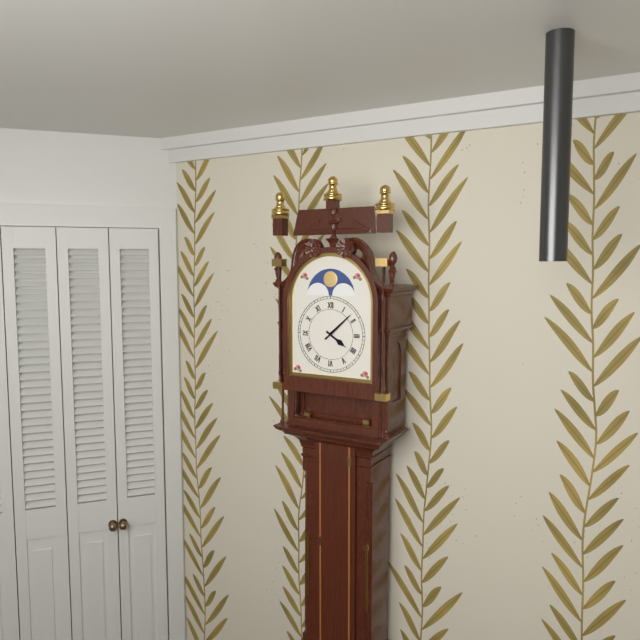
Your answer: 4,08
